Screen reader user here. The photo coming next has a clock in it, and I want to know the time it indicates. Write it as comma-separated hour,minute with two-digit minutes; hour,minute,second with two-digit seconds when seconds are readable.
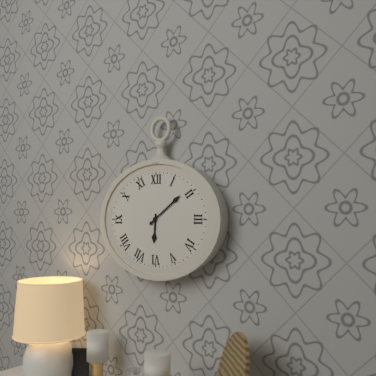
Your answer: 6,09
